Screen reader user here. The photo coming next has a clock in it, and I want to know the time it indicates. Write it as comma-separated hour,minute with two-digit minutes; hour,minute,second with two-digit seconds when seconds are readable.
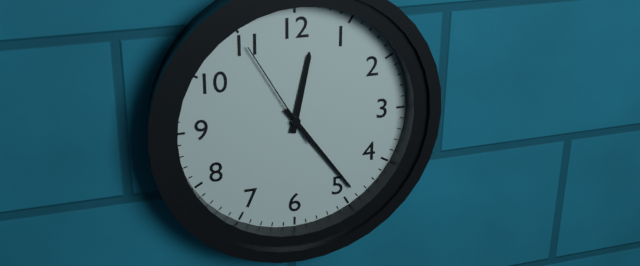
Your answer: 12,24,55
